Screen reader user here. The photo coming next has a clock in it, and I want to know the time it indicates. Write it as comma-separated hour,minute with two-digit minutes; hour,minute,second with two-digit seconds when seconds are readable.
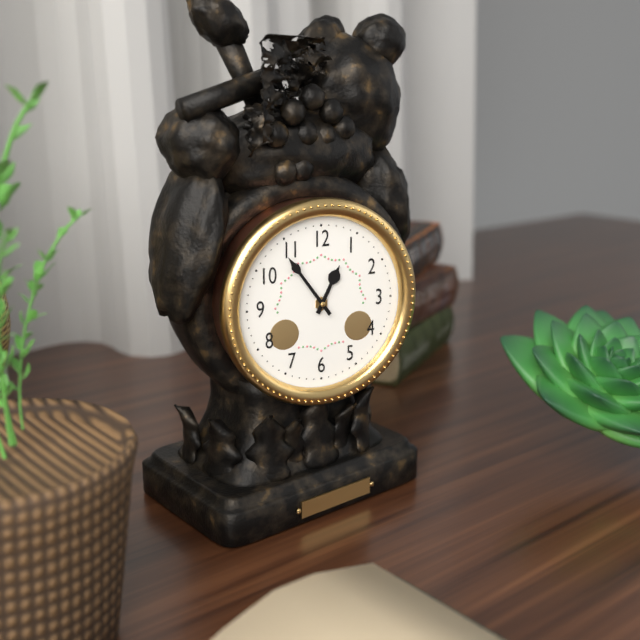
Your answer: 12,54
